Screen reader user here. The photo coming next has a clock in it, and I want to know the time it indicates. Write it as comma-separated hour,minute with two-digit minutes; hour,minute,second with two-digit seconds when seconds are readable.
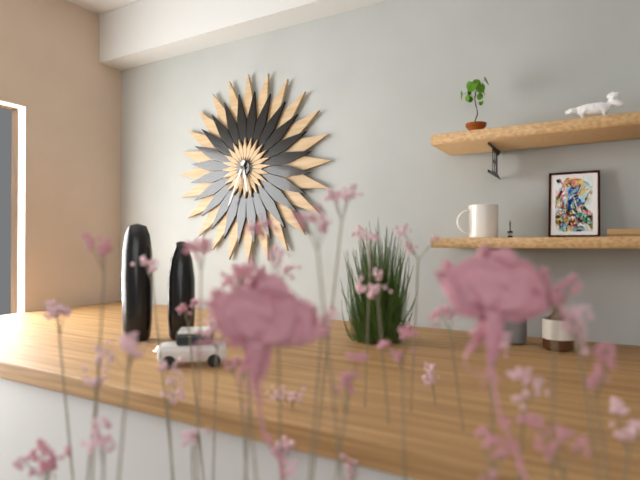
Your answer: 5,34
